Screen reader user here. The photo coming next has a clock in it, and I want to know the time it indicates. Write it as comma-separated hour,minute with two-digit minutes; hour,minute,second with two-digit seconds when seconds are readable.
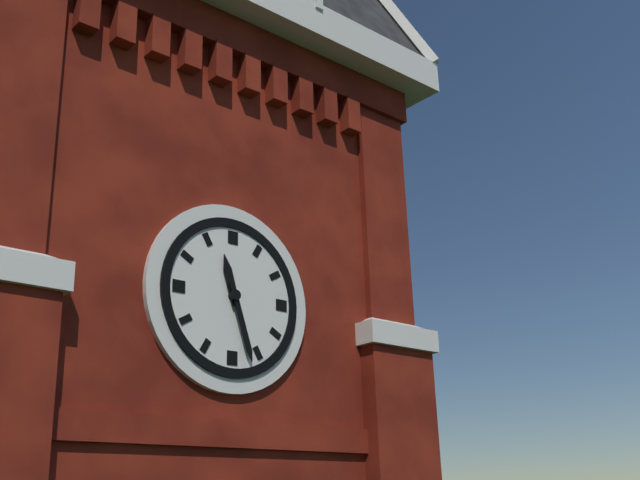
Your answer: 11,27
